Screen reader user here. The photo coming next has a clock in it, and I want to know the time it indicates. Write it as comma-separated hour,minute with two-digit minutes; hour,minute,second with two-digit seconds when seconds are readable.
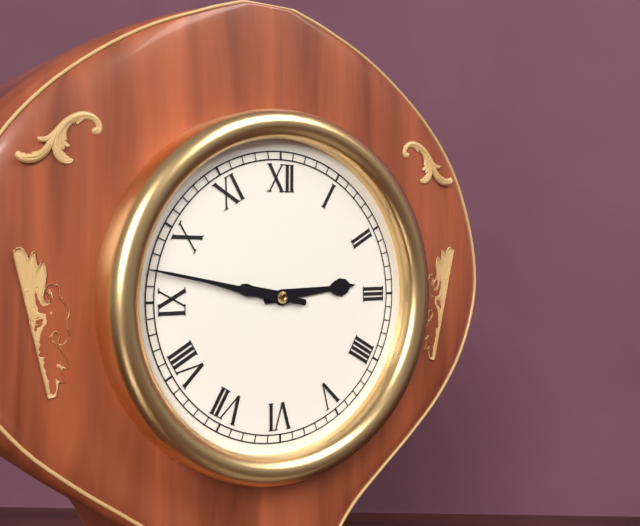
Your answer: 2,47
